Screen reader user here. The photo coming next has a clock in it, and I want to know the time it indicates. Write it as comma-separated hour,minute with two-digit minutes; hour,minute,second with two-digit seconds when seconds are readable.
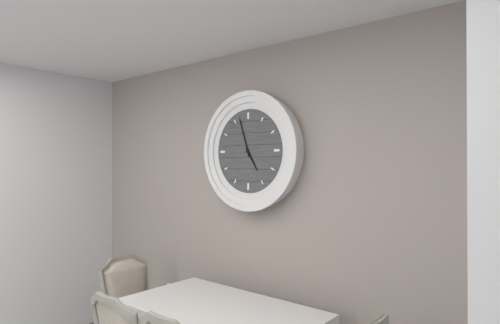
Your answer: 4,57
